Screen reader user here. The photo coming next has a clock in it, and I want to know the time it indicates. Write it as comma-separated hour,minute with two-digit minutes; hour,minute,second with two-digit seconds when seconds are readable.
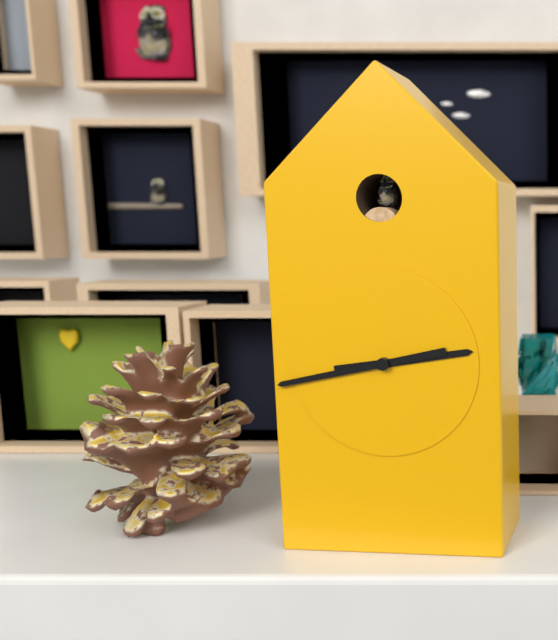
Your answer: 2,43
